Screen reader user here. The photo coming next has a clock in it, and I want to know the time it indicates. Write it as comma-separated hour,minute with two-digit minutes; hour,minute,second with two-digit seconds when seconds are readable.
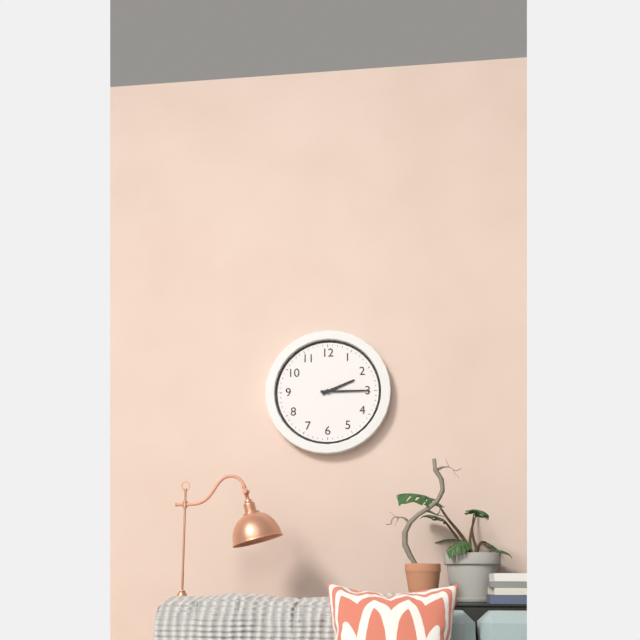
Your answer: 2,15
